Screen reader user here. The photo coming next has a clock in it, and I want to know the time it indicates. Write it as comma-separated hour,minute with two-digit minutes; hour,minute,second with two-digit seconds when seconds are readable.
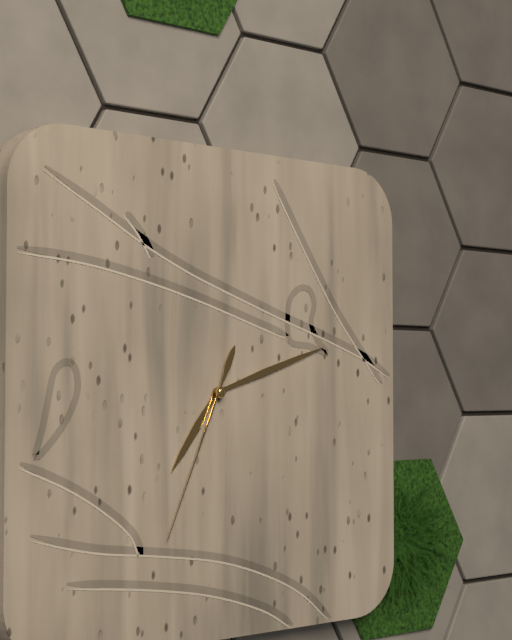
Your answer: 7,12,34
